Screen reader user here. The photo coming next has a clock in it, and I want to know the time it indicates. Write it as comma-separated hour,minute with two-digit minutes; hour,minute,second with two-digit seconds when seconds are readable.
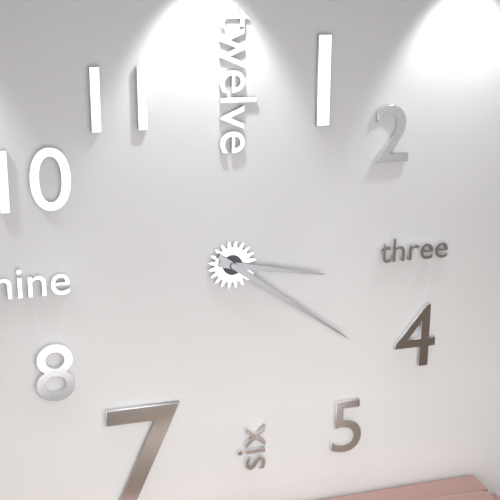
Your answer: 3,21
